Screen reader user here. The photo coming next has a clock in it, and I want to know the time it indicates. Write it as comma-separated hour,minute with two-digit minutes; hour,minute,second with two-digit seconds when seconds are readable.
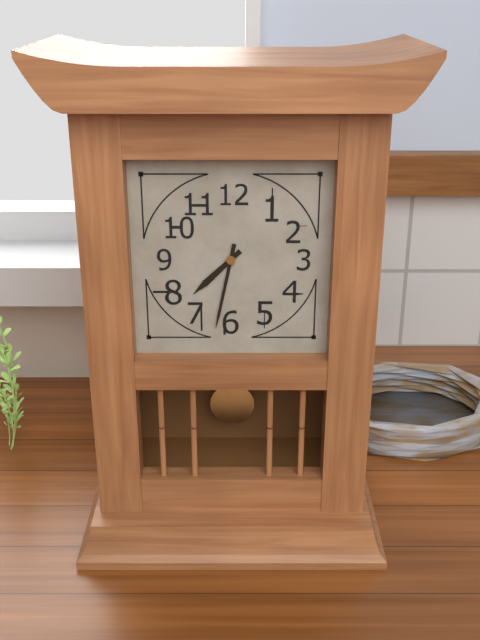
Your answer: 7,32
